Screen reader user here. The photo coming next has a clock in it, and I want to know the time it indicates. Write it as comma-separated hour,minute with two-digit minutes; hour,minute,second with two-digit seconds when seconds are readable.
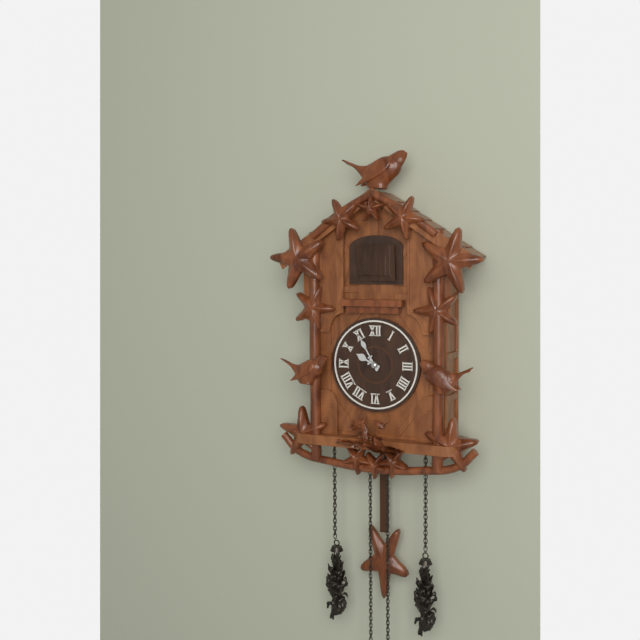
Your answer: 9,55
